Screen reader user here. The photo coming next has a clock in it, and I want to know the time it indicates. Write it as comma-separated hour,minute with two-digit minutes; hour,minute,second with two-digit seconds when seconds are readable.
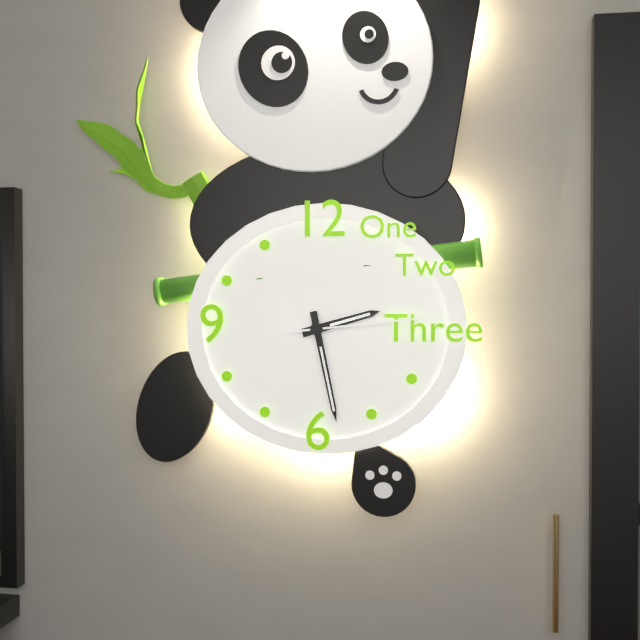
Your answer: 2,28,14
